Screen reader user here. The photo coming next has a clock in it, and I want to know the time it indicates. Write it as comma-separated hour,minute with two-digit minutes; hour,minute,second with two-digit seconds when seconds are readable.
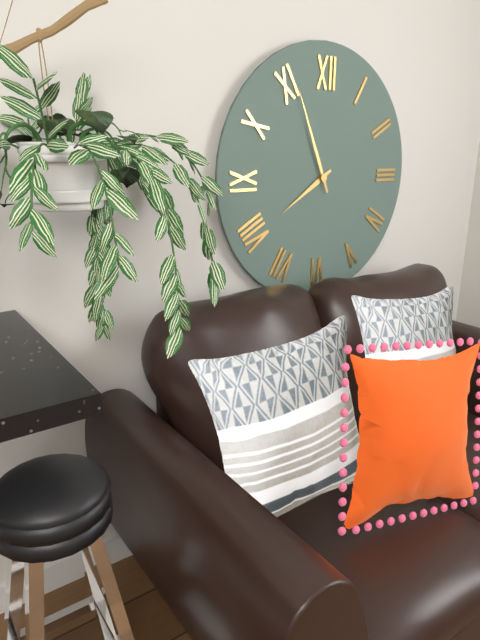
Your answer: 7,56
